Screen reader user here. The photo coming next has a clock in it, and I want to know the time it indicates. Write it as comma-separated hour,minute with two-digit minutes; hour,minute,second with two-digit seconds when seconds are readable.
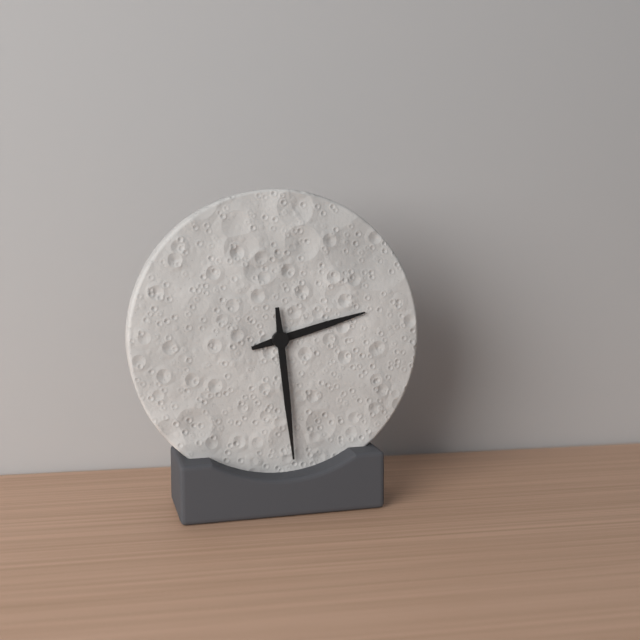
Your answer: 2,29
